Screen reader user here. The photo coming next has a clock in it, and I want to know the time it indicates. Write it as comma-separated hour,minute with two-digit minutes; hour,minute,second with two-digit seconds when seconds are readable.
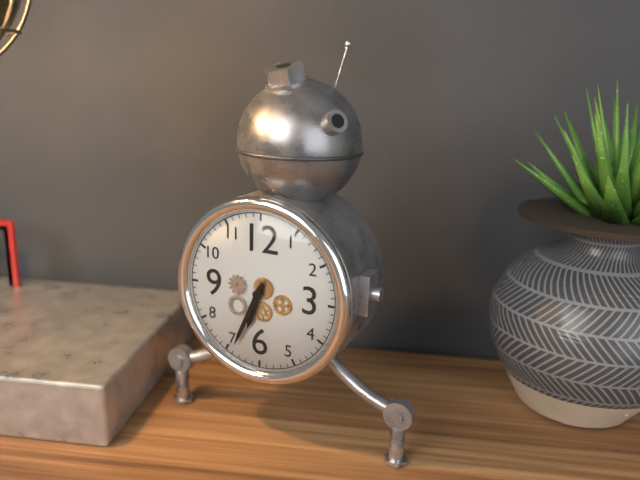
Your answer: 6,34
